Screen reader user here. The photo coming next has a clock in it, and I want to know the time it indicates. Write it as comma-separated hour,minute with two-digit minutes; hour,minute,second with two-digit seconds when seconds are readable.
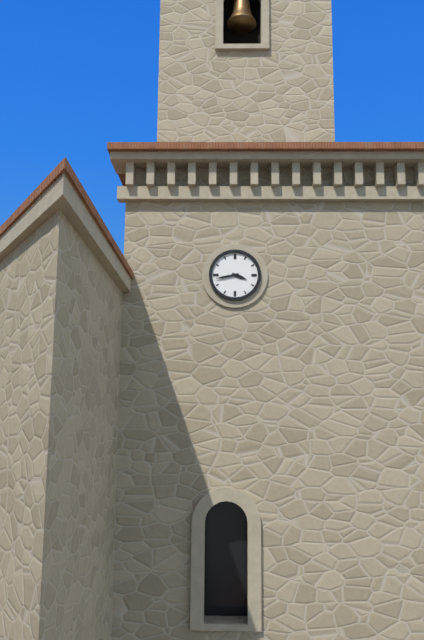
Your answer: 3,43
